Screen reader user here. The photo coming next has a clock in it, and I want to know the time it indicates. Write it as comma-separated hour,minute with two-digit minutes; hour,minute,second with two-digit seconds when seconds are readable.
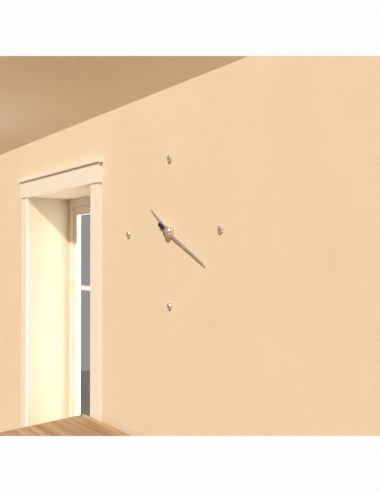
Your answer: 10,20
